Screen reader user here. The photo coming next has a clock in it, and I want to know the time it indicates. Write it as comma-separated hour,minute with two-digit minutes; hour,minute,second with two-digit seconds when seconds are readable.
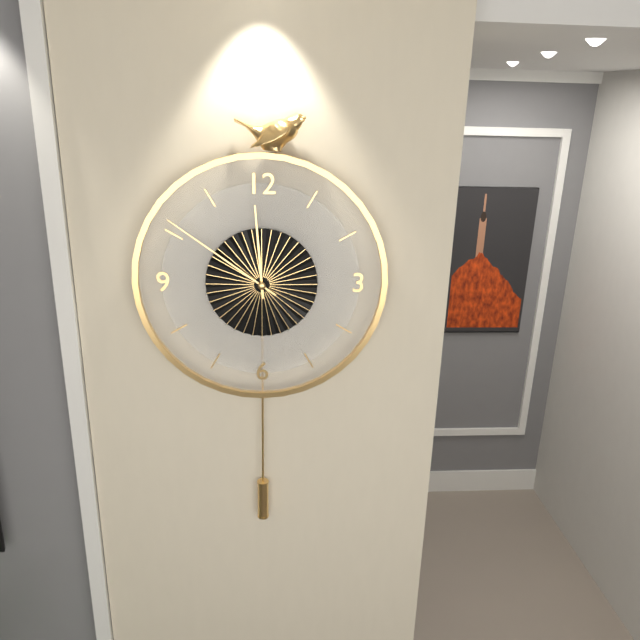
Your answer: 11,51
